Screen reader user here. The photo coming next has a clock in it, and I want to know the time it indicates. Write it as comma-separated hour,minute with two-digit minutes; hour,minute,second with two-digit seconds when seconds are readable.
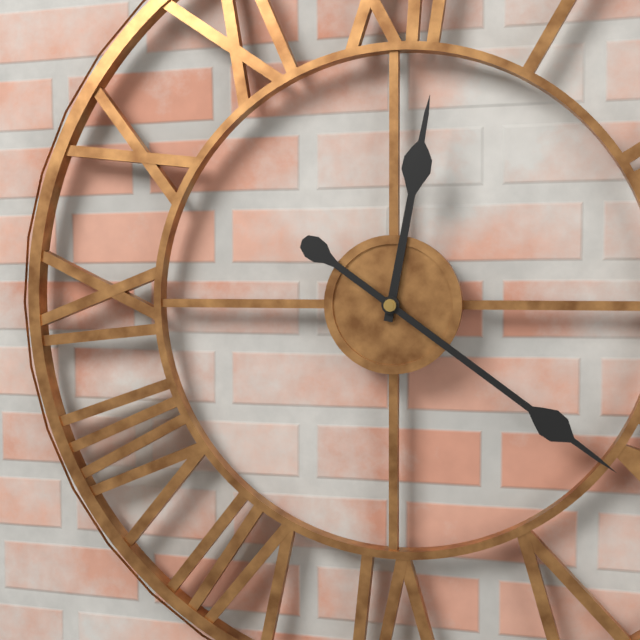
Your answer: 12,21
